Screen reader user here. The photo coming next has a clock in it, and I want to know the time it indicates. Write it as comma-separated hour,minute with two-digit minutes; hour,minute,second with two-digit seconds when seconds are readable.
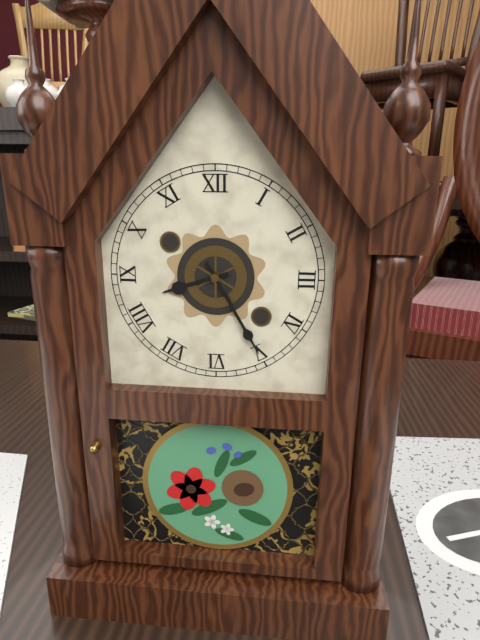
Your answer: 8,25
